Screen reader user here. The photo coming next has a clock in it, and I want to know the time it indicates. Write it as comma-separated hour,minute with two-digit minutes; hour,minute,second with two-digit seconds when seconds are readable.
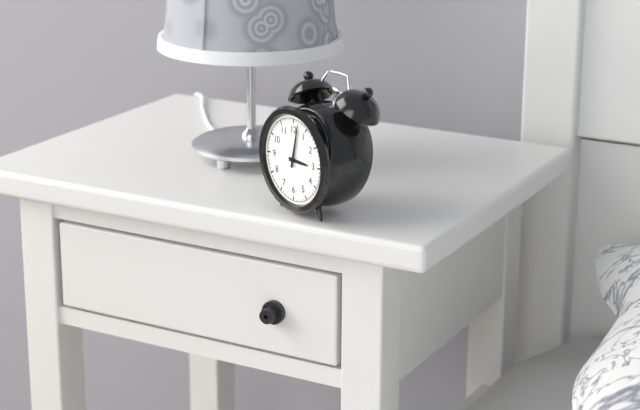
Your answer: 3,02
